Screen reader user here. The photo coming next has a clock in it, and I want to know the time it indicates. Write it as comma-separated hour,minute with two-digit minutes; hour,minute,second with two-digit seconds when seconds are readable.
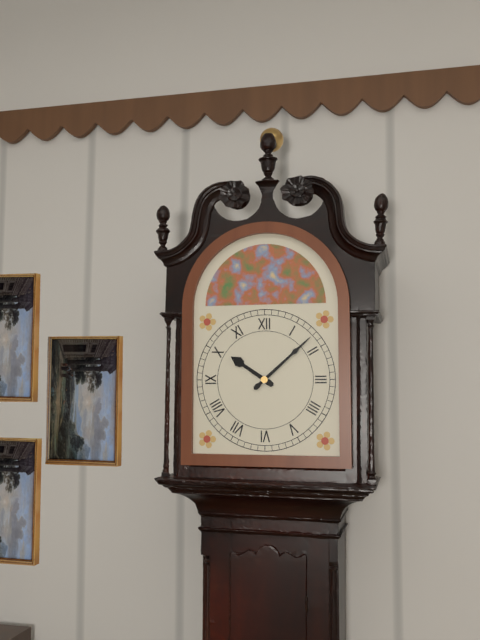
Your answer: 10,08
